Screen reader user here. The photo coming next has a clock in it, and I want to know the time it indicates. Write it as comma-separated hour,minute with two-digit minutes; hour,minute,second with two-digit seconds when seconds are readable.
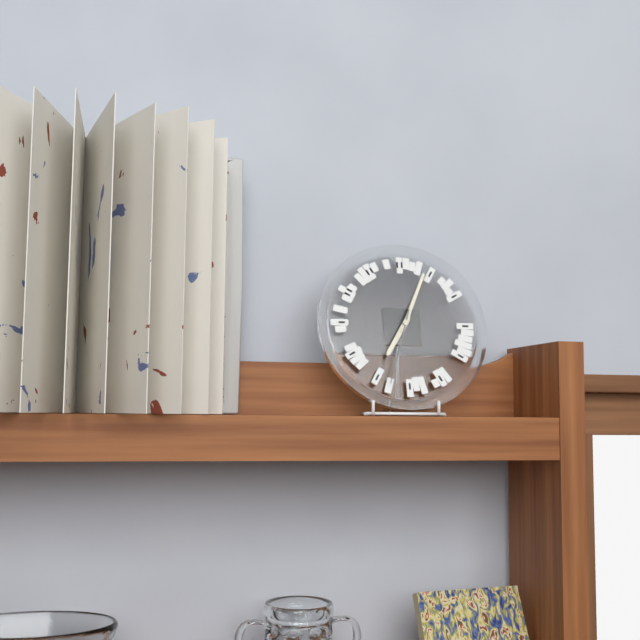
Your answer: 7,04,33
